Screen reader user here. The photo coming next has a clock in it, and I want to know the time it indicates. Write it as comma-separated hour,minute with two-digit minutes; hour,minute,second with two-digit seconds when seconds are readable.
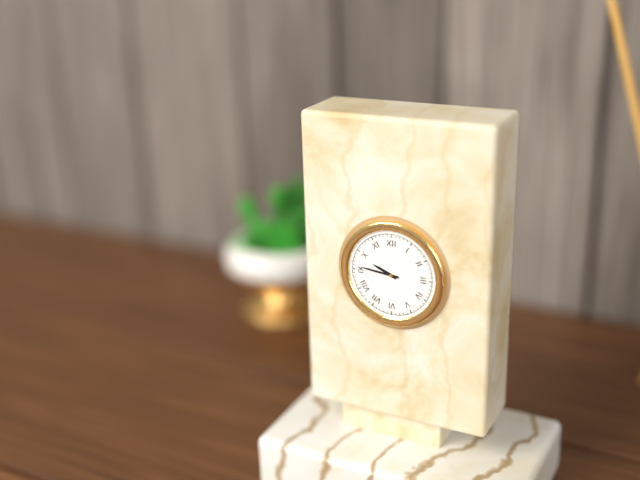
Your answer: 9,46
